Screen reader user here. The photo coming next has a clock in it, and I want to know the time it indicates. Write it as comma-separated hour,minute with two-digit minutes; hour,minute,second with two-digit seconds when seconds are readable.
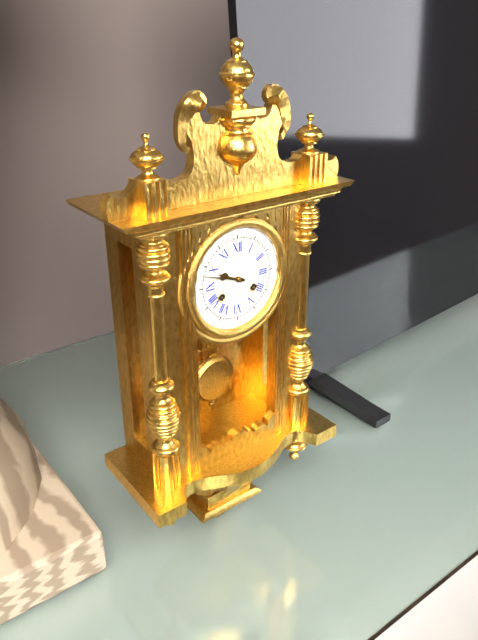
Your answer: 9,48
